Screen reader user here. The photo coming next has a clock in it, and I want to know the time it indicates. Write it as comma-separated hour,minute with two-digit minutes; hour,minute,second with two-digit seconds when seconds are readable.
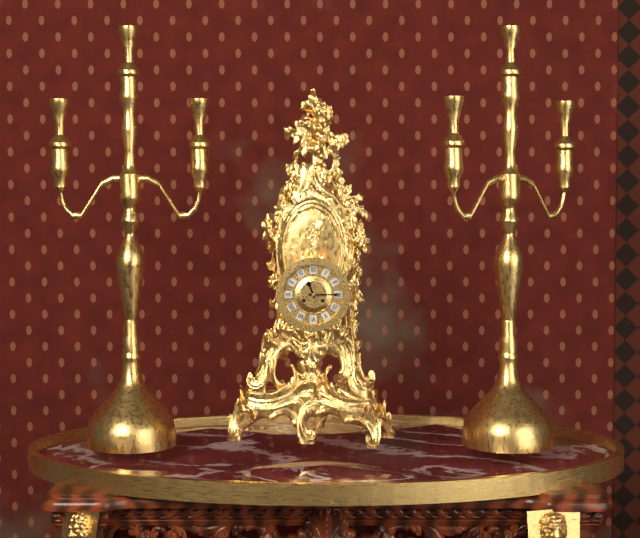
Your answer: 11,15
